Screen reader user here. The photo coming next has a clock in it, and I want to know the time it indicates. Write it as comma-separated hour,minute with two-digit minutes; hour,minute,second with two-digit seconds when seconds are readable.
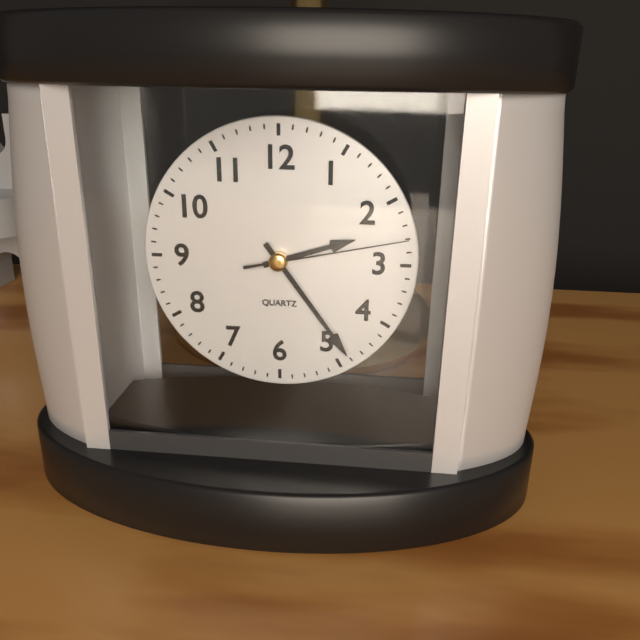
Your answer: 2,24,13
